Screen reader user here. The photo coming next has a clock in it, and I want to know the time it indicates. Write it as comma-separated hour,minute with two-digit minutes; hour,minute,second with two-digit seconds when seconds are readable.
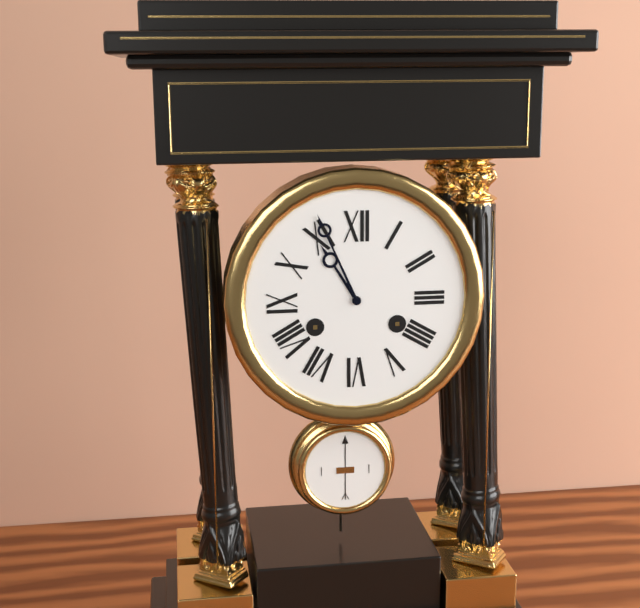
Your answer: 10,56
